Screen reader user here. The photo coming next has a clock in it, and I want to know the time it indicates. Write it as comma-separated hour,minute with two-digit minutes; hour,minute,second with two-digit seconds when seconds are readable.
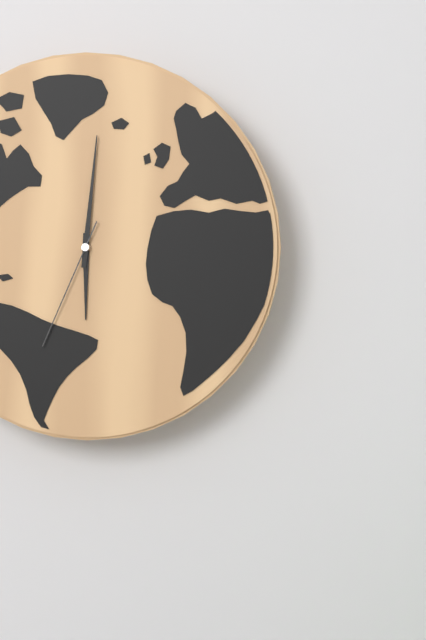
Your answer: 6,01,34
